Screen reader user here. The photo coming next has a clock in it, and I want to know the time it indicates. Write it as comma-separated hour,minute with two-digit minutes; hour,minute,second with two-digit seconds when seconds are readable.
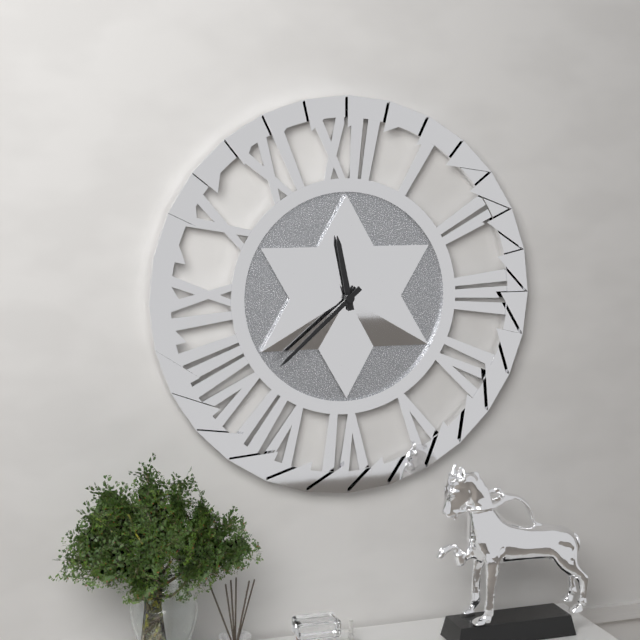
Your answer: 11,38
